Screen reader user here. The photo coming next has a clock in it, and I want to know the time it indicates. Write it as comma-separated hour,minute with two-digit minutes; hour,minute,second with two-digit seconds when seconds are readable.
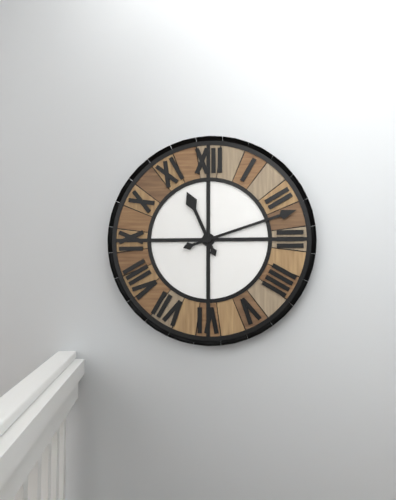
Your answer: 11,12
